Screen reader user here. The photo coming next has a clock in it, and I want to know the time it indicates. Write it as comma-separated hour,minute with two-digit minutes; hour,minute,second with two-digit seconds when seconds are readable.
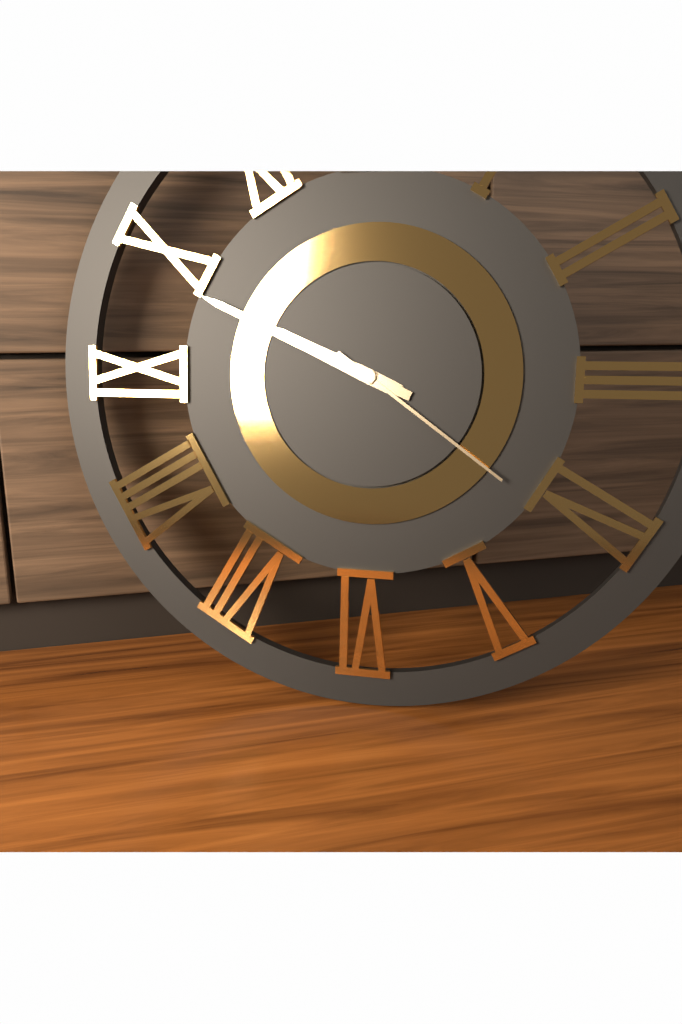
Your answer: 9,49,21
